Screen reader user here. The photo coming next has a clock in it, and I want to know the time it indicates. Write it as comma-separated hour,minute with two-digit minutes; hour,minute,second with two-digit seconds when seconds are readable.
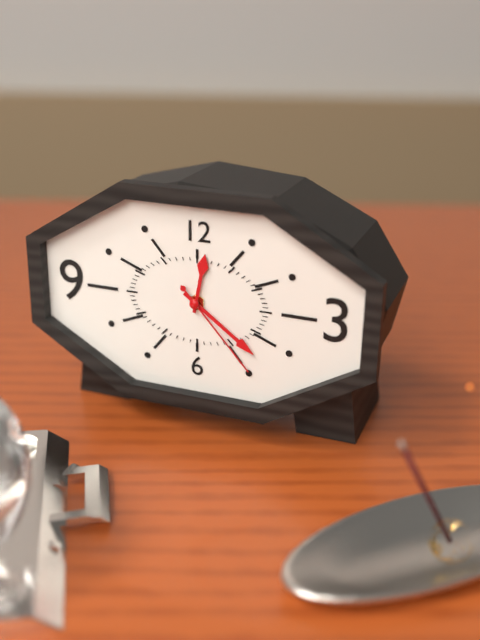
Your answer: 12,21,23
